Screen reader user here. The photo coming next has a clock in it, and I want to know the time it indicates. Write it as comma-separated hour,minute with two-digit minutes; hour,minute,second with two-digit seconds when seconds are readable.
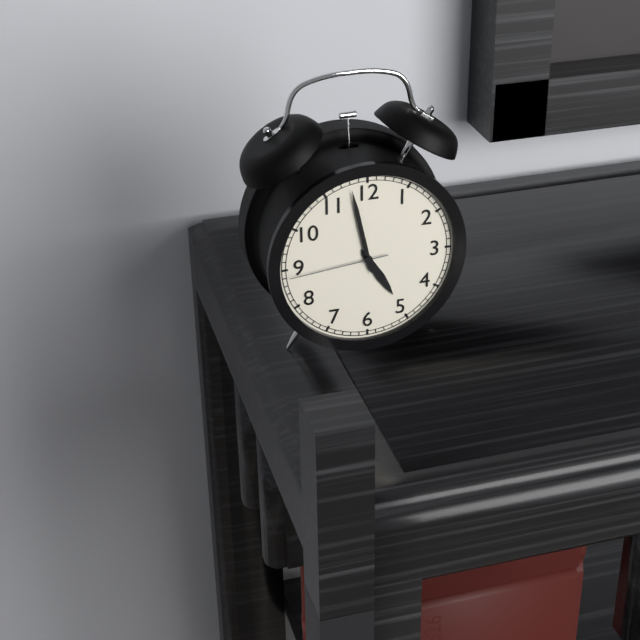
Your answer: 4,58,44
